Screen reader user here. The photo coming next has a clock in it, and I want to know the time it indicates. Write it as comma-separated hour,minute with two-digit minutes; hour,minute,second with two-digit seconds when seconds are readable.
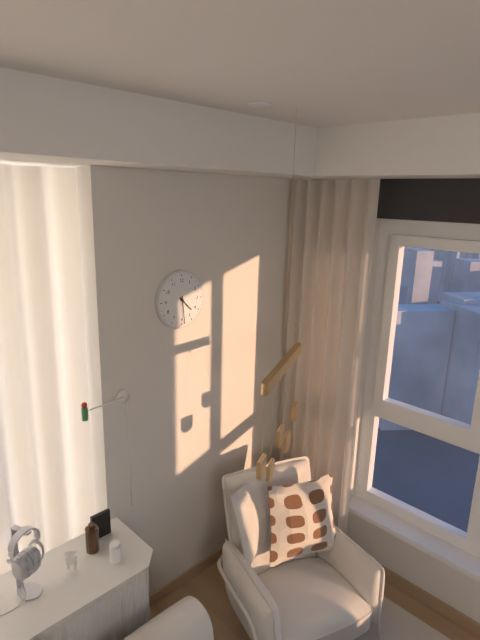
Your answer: 4,29
